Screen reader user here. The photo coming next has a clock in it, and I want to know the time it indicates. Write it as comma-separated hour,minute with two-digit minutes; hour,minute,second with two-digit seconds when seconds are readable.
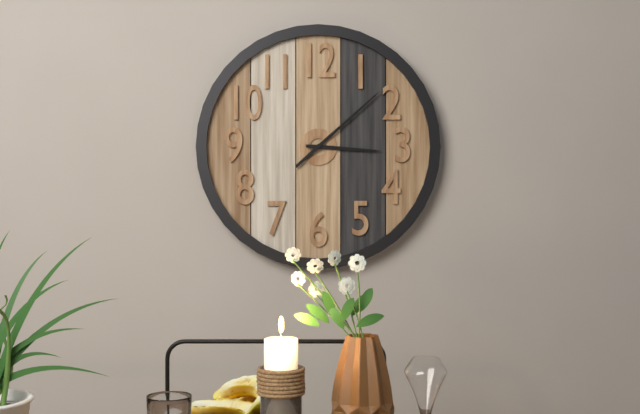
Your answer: 3,08
